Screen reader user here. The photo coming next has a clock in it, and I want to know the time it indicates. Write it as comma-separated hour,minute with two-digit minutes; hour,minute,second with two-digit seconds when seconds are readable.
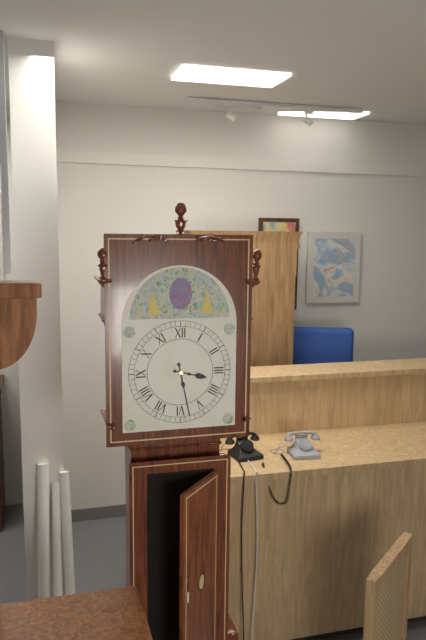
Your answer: 3,28
